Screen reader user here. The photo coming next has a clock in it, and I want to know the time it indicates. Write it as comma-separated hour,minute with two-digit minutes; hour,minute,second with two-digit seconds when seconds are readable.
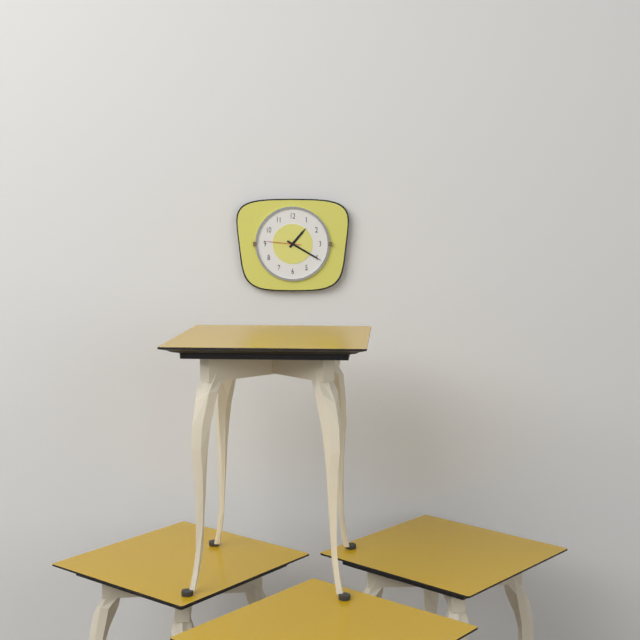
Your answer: 1,20
